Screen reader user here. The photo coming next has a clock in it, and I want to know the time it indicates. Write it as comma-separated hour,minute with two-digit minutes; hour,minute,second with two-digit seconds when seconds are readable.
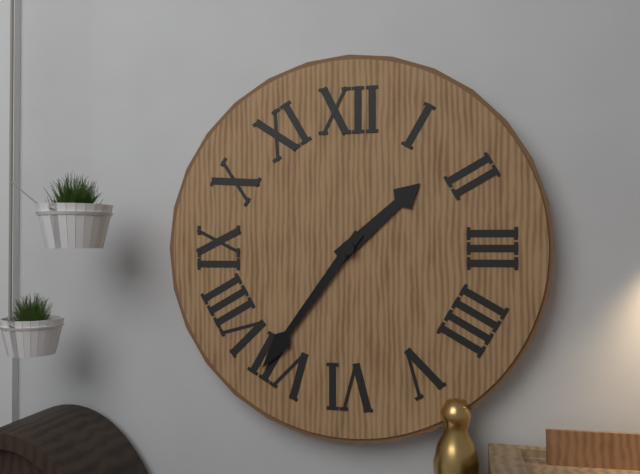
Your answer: 1,36
